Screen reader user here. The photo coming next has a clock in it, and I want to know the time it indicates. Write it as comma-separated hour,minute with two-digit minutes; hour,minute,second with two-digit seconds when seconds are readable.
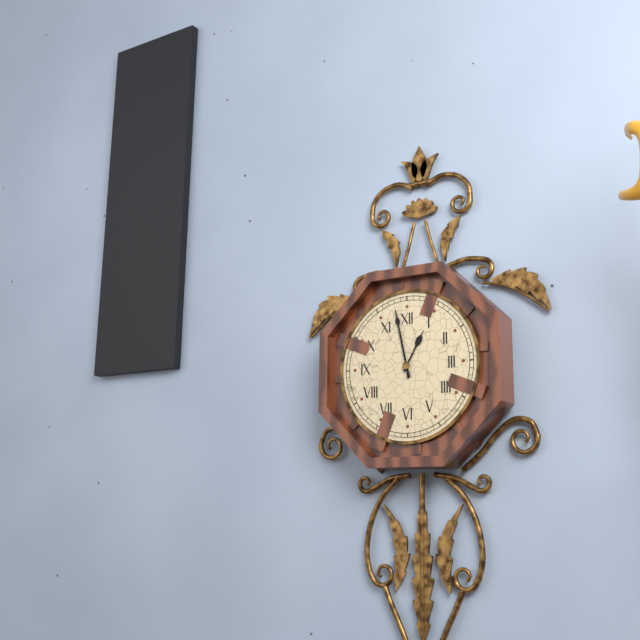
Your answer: 12,58
